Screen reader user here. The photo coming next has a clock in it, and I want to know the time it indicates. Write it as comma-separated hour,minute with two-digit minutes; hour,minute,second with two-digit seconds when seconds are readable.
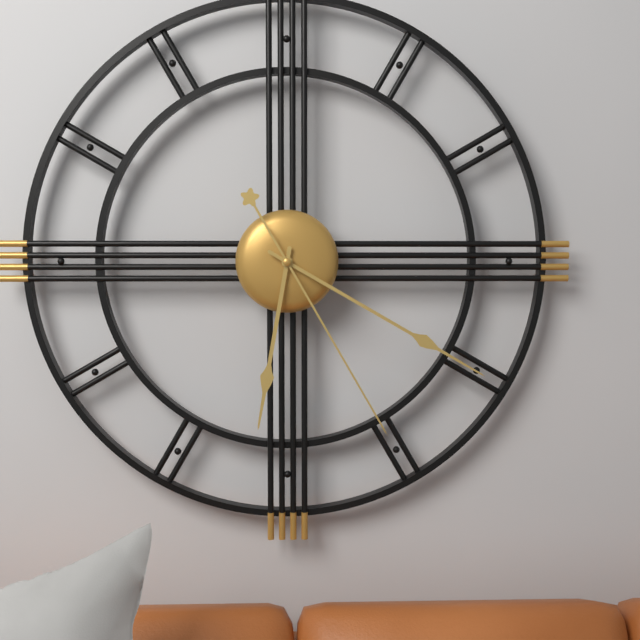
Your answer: 6,20,25
